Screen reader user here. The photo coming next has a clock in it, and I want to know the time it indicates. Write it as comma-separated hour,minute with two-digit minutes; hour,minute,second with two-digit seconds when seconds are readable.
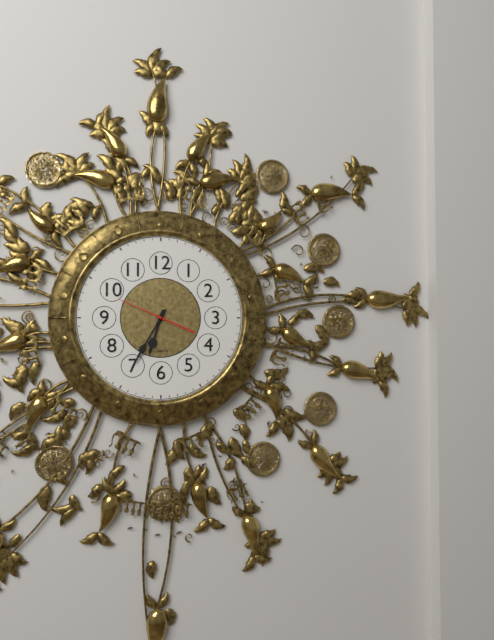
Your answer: 6,35,49
